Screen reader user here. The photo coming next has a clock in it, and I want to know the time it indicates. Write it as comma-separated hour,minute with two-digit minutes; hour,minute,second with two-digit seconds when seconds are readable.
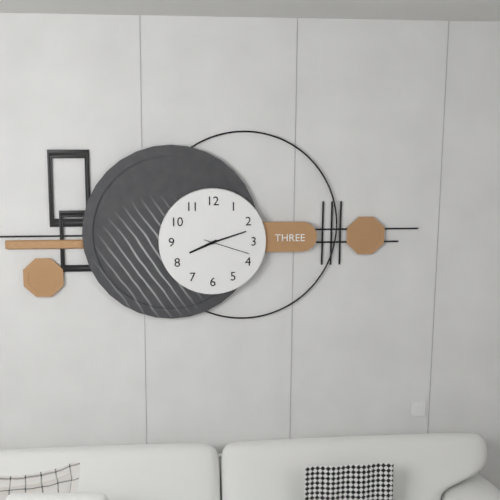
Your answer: 8,12
